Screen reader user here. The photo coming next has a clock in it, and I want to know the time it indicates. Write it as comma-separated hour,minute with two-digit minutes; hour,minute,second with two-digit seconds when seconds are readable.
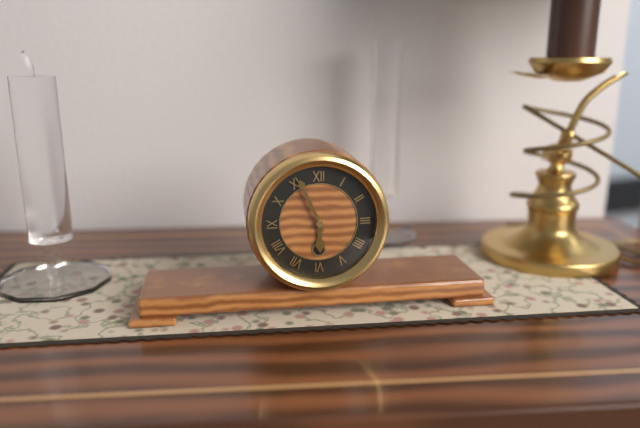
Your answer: 5,56
